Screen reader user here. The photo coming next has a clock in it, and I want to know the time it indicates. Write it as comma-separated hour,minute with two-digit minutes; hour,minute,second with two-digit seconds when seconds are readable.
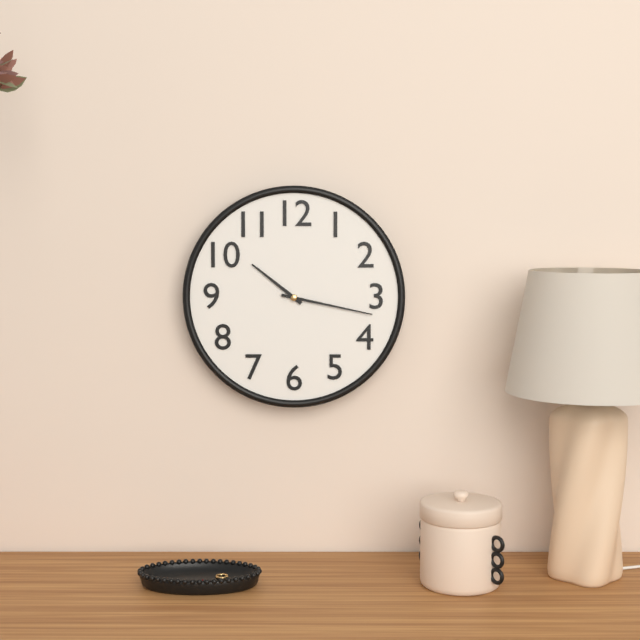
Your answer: 10,17
